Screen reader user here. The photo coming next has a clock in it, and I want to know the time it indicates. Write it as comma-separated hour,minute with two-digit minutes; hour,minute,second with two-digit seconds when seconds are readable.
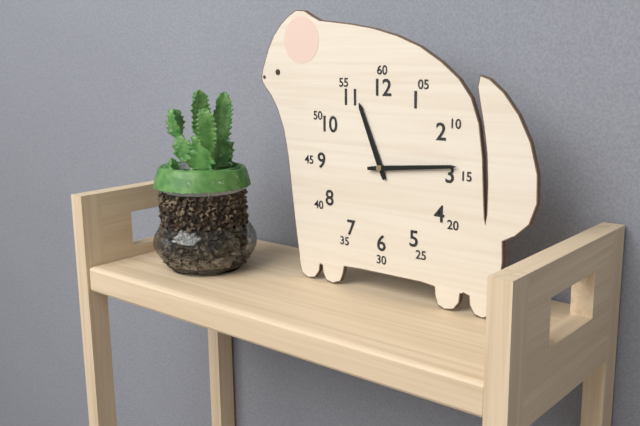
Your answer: 11,14
